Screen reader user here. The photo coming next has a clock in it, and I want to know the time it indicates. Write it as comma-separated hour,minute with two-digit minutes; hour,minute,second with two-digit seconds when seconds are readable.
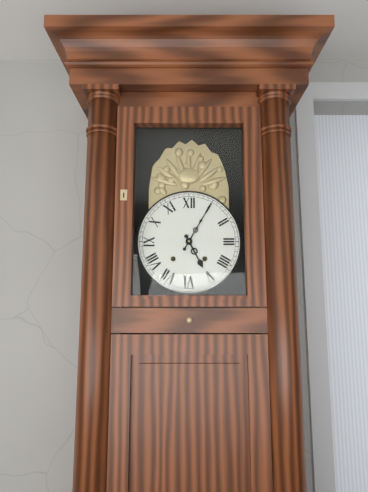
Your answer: 5,05
